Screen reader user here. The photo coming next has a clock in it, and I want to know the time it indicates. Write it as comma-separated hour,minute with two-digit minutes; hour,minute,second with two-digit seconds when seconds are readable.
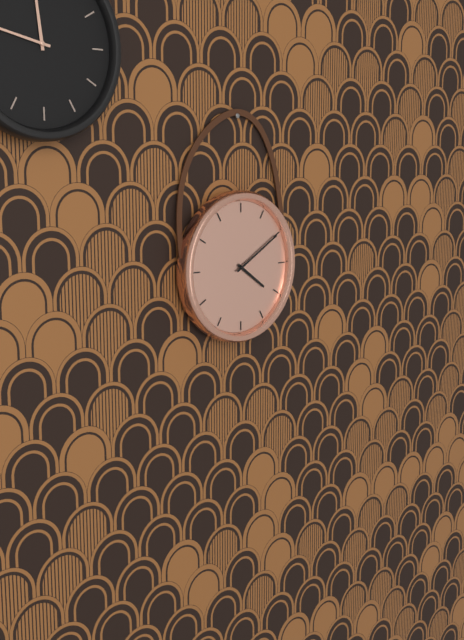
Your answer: 4,10
